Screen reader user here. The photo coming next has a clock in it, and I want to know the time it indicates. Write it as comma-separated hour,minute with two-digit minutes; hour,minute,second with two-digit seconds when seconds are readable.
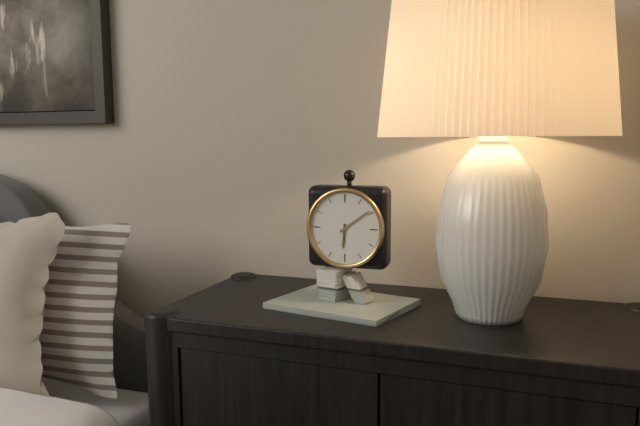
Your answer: 6,09
